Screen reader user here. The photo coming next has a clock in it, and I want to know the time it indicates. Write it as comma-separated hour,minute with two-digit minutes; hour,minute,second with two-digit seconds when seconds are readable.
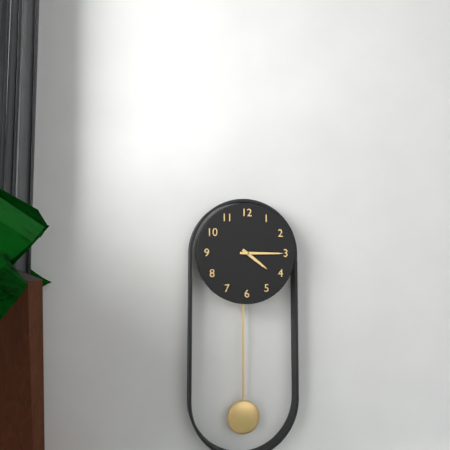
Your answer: 4,15
